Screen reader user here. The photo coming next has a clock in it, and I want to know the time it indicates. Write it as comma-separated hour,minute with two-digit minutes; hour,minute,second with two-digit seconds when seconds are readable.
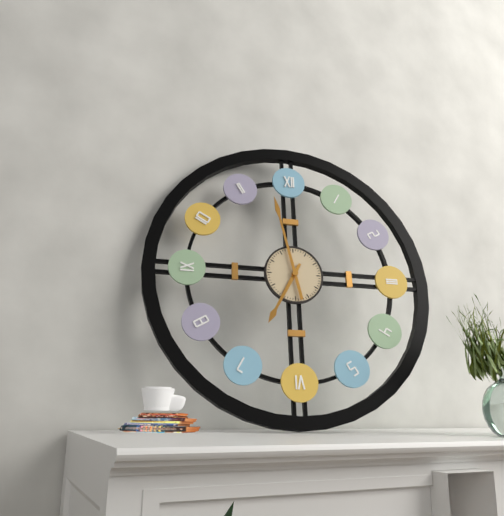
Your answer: 6,58
